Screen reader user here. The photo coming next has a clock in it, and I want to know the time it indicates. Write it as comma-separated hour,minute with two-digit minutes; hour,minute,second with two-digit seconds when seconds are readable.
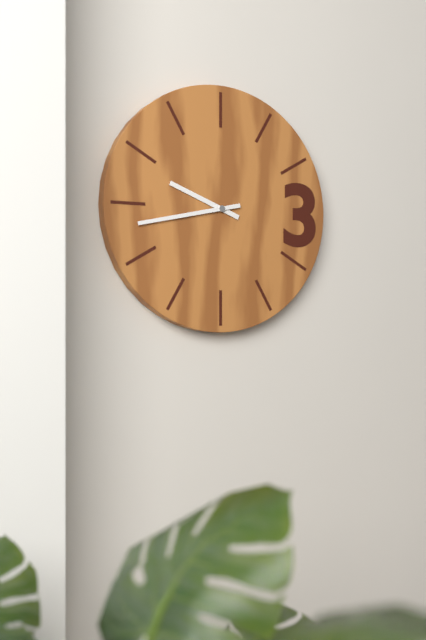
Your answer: 9,43
